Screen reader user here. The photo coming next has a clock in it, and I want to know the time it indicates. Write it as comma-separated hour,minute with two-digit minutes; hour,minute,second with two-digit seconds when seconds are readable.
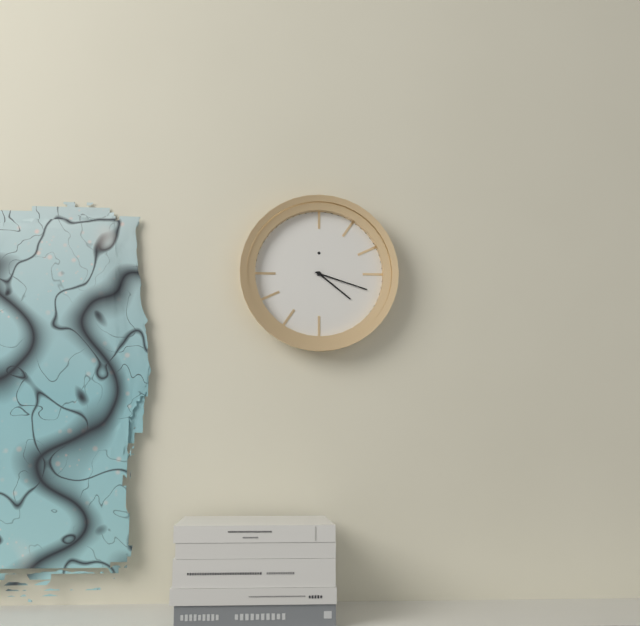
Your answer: 4,18
